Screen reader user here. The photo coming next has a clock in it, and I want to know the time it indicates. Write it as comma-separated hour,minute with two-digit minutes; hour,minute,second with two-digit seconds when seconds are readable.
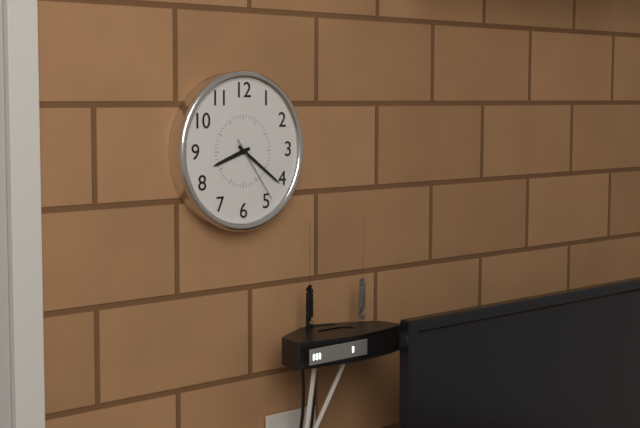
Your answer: 8,21,24
